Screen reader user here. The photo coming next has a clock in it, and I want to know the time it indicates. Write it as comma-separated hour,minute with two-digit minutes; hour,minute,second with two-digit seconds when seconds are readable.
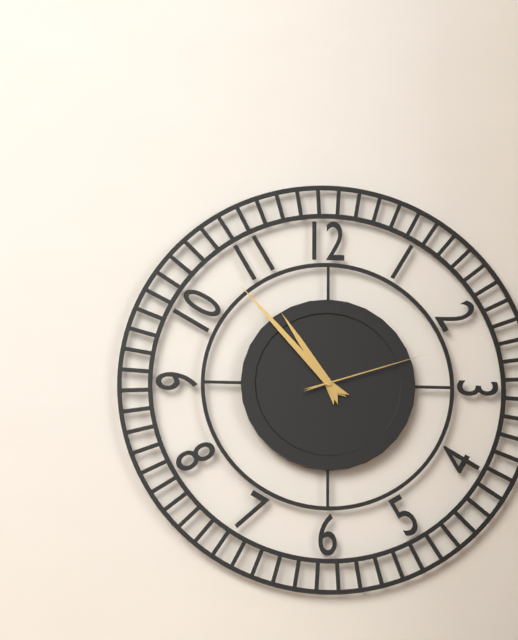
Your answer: 10,53,12
